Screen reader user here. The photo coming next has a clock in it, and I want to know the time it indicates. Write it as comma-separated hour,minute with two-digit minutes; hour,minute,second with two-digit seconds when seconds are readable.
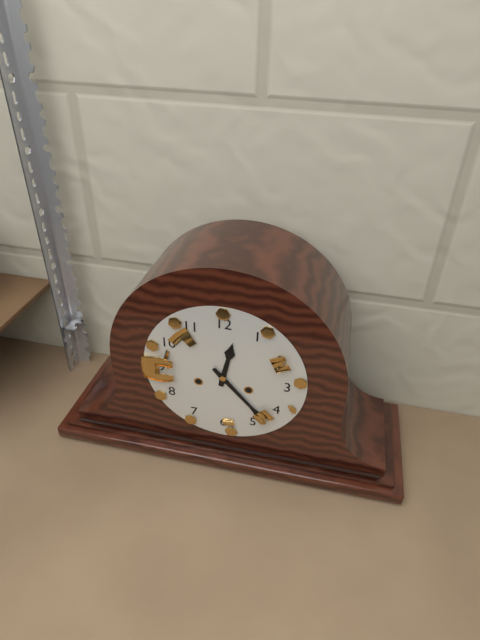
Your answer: 12,23
